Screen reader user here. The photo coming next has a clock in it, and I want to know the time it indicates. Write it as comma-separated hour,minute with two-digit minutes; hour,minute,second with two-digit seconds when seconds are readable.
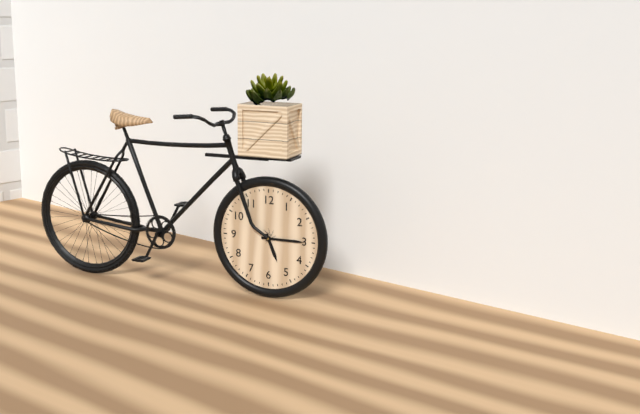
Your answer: 5,15
